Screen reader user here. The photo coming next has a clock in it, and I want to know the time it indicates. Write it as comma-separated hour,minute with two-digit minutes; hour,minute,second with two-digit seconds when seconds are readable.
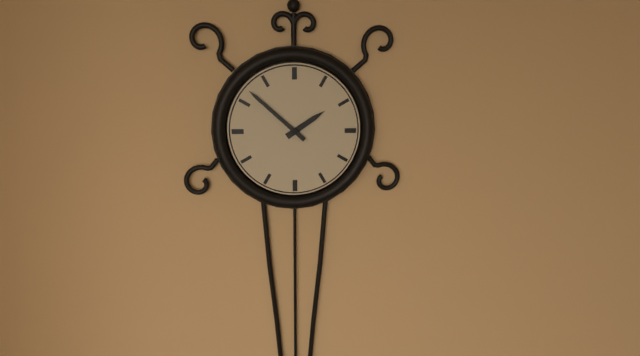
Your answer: 1,52
